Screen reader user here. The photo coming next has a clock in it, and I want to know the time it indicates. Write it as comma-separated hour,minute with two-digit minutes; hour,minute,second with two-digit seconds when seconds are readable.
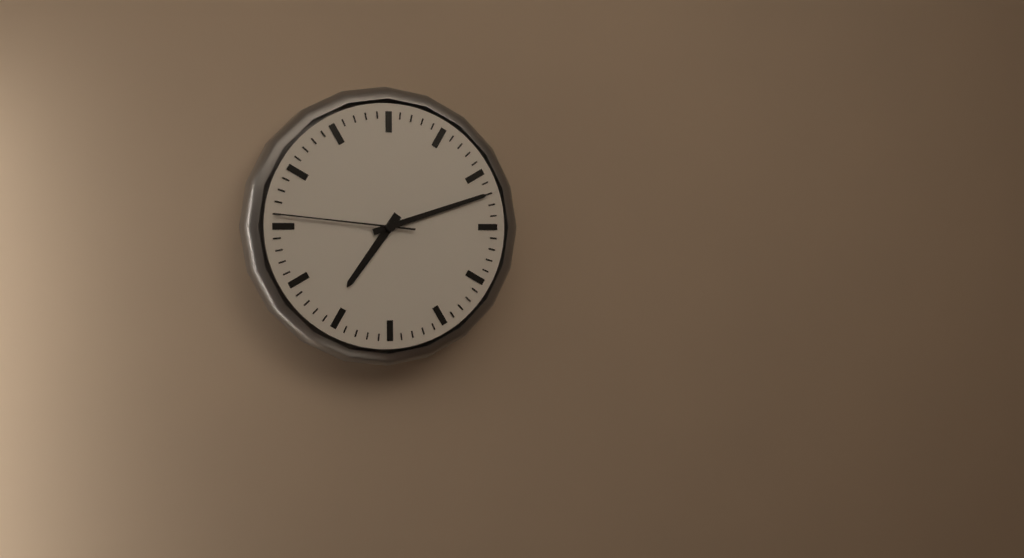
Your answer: 7,12,46
